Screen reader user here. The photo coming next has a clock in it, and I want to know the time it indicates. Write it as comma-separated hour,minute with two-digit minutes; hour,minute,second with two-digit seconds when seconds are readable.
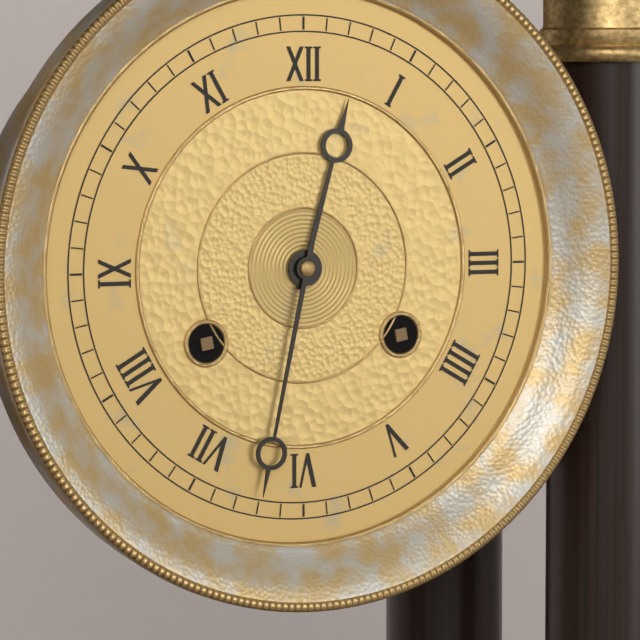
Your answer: 12,32
